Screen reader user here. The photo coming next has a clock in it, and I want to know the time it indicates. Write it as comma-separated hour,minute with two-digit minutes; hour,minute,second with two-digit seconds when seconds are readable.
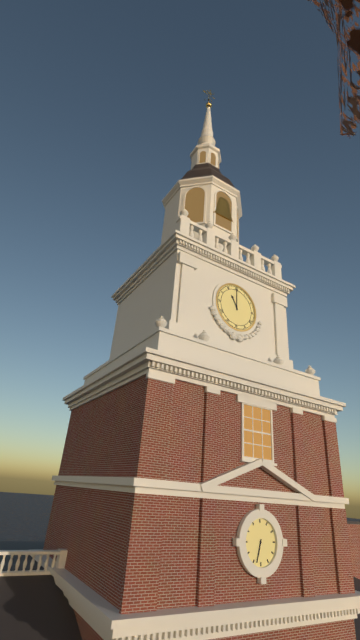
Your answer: 11,00
